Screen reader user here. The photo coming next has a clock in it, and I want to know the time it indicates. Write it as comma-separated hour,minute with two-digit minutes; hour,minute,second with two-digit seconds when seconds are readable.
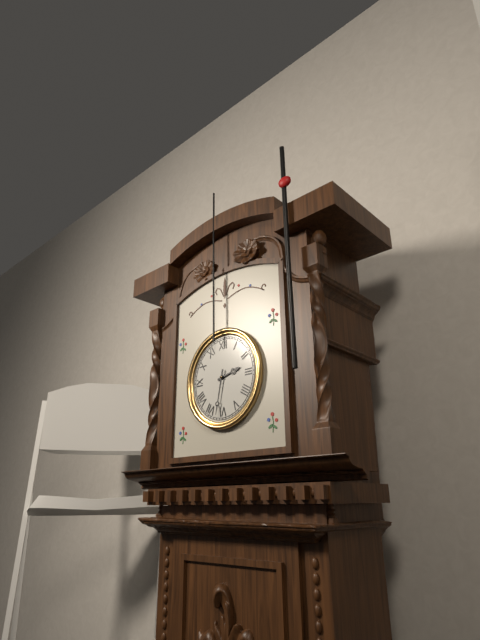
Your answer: 2,32
